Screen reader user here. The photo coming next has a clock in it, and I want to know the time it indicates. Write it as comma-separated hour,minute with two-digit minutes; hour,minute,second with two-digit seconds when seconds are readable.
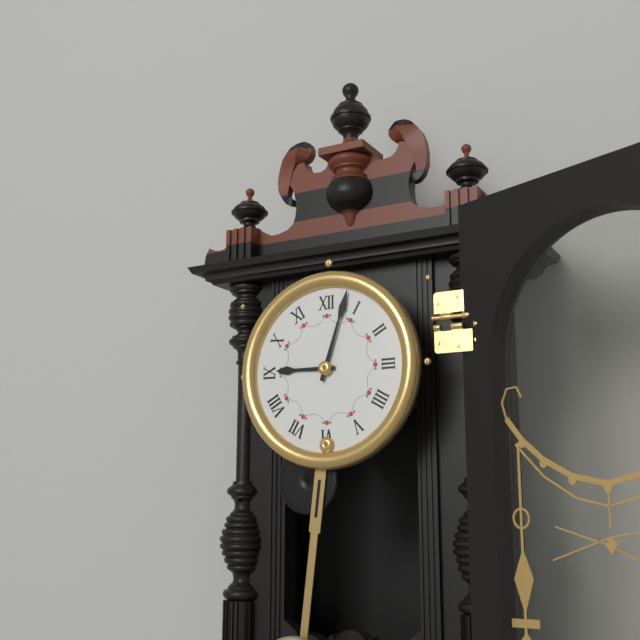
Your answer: 9,03
